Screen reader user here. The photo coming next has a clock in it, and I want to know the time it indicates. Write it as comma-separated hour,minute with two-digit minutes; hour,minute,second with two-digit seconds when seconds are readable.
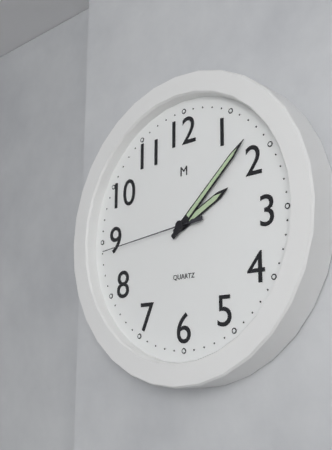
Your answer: 2,08,44
